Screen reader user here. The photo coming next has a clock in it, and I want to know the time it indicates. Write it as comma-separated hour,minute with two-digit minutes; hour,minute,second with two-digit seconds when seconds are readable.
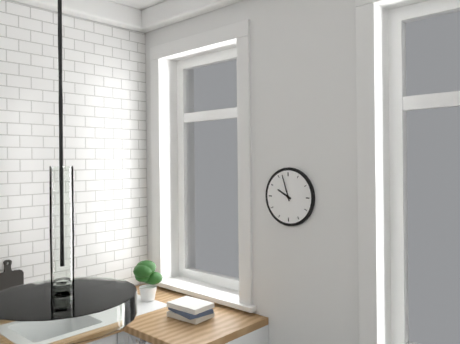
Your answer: 9,57
